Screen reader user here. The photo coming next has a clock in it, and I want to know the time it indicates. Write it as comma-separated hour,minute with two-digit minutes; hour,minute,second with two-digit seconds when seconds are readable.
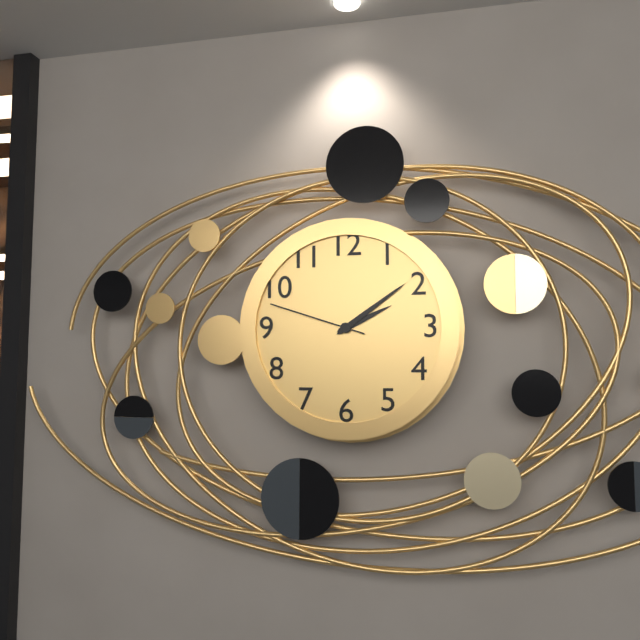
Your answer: 2,09,48
